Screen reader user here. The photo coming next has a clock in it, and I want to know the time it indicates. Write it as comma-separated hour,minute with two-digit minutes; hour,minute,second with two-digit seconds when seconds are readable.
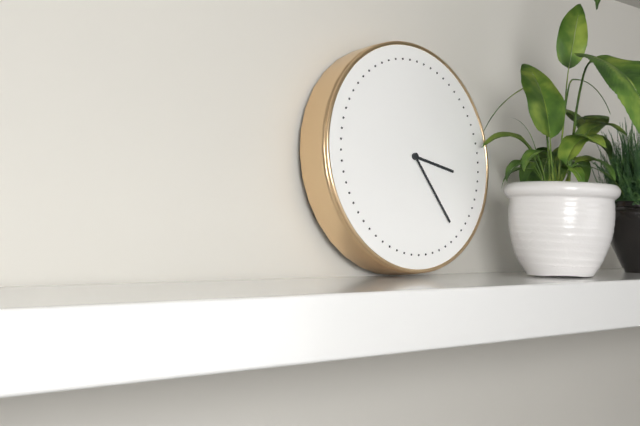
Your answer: 3,24
